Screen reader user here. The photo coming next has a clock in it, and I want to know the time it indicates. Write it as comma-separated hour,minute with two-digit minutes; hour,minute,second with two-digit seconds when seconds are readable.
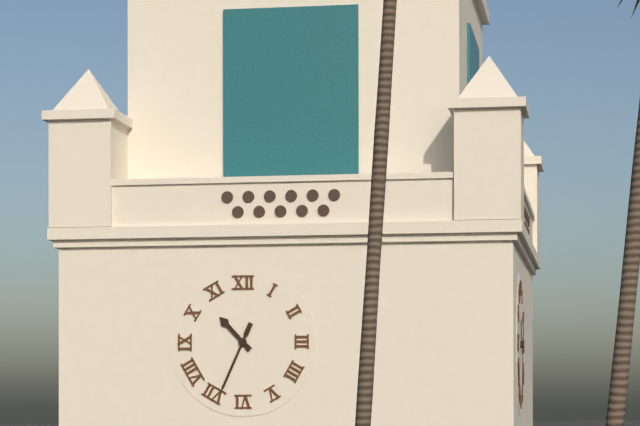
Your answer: 10,34
